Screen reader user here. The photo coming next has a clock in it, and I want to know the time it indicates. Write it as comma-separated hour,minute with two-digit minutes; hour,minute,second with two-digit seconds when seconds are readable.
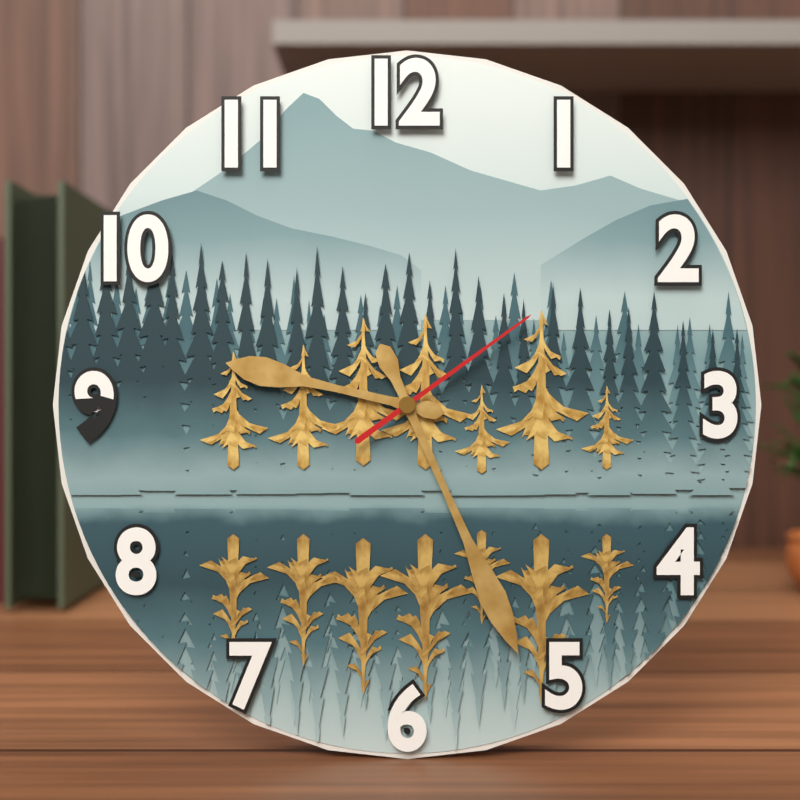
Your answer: 9,26,09
